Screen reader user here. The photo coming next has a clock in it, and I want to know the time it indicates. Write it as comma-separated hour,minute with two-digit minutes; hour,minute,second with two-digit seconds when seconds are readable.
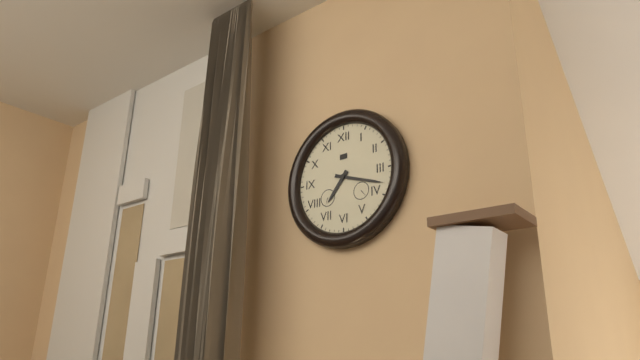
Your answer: 7,18
